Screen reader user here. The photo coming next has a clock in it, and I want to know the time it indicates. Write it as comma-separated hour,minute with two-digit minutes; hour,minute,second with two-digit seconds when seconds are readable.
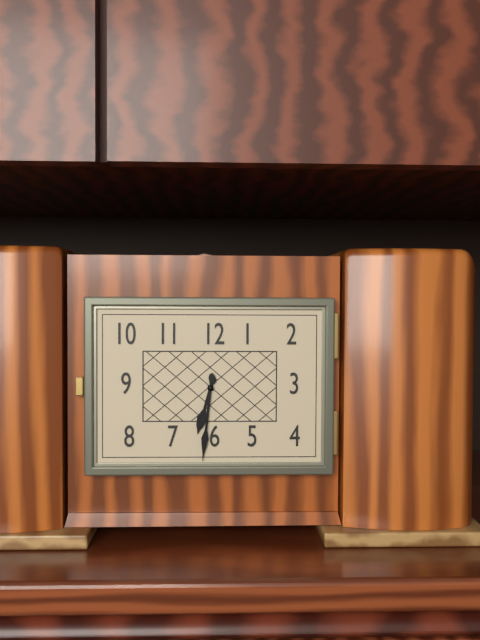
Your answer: 6,31
